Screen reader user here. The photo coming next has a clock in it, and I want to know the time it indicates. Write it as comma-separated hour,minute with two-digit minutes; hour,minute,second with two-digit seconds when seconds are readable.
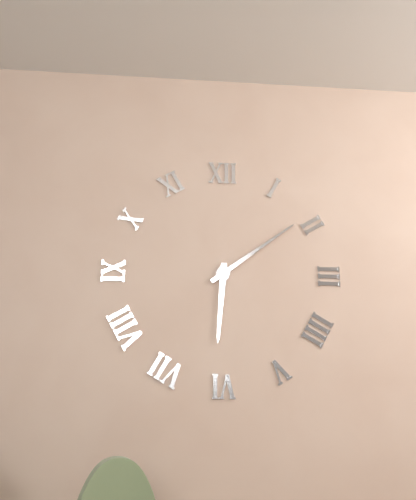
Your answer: 6,09
